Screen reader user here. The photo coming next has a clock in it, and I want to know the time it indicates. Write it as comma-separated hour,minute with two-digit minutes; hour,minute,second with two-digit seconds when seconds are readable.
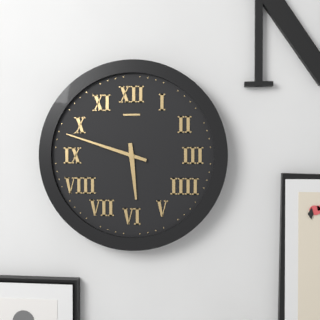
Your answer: 5,48
